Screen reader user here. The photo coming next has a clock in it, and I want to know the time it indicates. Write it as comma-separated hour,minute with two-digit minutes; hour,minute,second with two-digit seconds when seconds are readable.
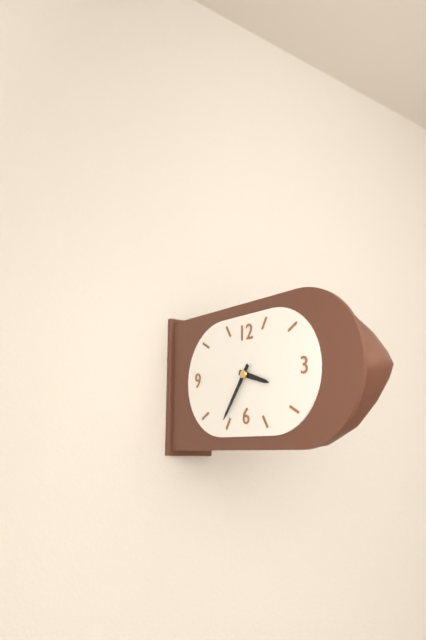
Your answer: 3,36
